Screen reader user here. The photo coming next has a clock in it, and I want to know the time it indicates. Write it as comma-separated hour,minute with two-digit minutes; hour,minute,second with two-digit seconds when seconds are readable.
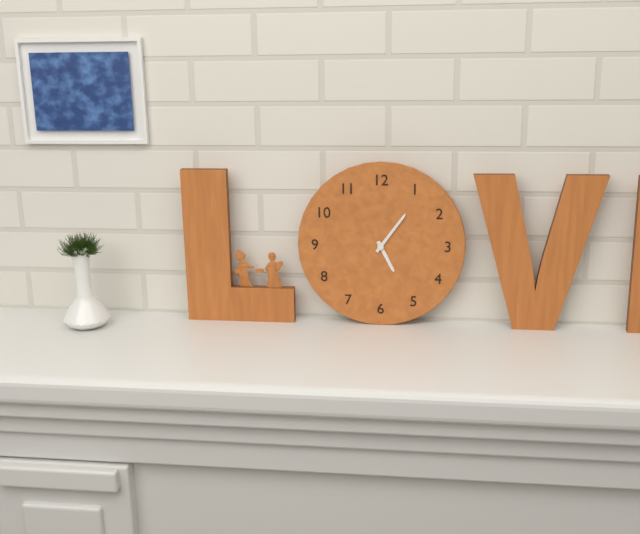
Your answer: 5,06
